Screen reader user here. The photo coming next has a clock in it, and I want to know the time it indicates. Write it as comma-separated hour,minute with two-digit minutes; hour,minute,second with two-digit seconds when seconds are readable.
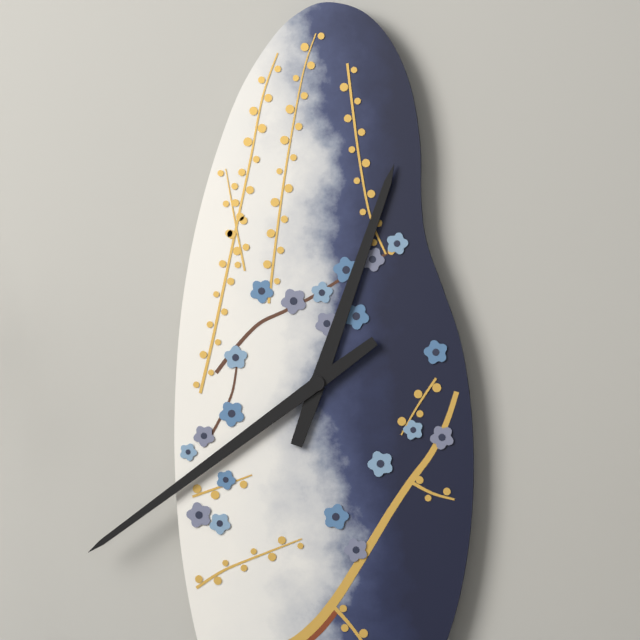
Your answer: 12,39
